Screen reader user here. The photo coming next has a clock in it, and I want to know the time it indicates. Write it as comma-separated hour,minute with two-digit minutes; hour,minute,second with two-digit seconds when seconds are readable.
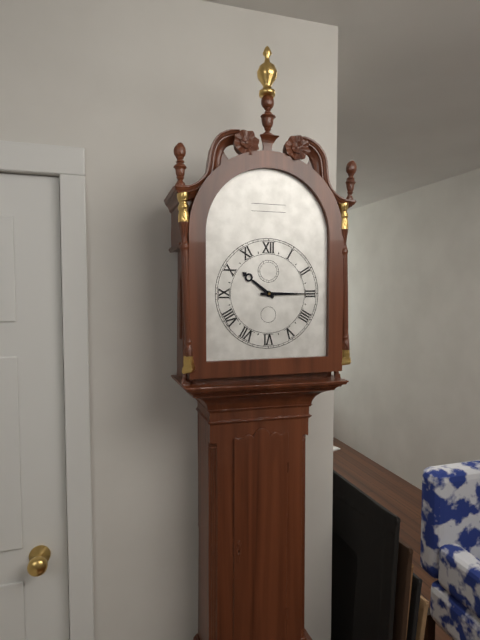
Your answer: 10,15
